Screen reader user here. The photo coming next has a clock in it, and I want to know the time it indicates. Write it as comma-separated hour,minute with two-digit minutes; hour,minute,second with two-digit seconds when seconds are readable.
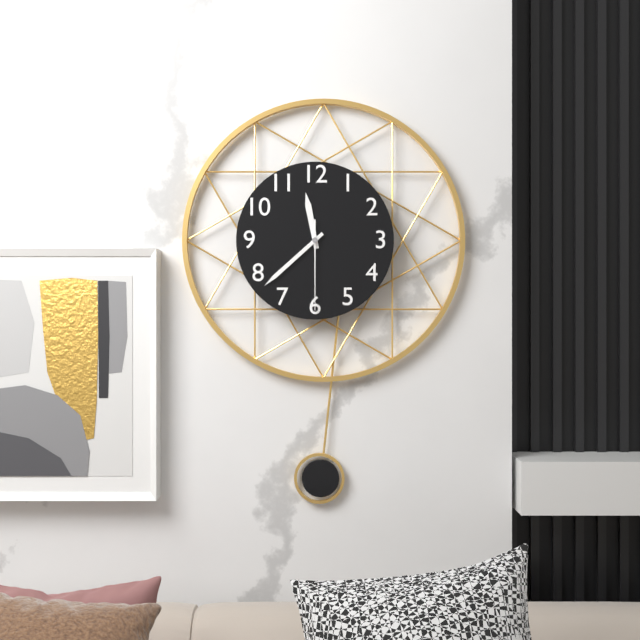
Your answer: 11,38,30
